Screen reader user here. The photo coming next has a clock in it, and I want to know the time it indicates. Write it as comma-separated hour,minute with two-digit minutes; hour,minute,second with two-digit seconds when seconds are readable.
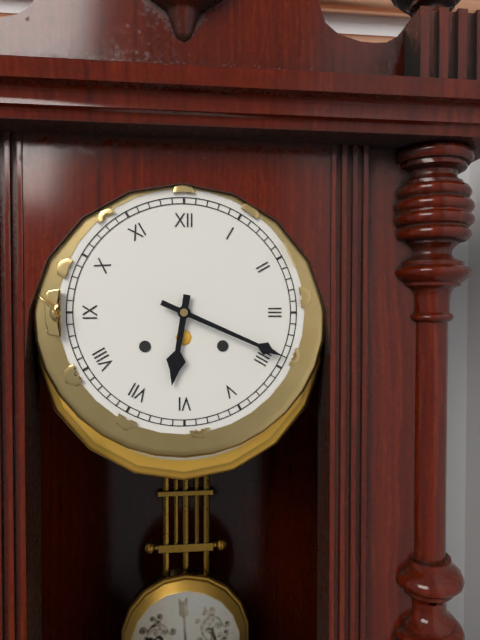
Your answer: 6,19
